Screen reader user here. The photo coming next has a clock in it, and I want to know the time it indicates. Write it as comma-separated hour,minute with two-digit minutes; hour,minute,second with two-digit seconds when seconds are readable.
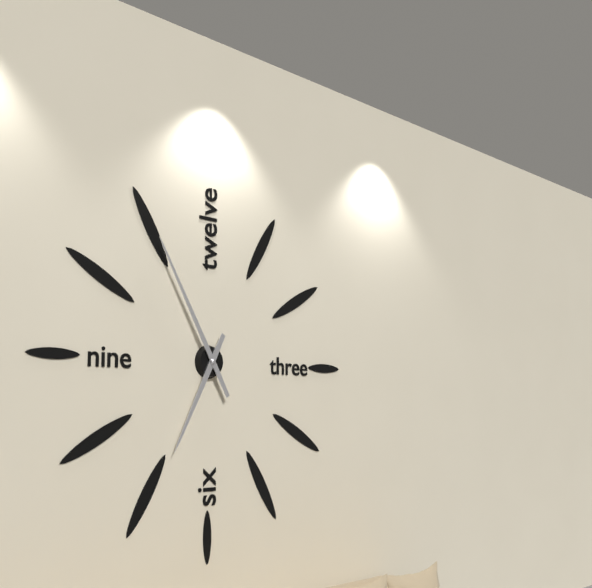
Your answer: 6,55
